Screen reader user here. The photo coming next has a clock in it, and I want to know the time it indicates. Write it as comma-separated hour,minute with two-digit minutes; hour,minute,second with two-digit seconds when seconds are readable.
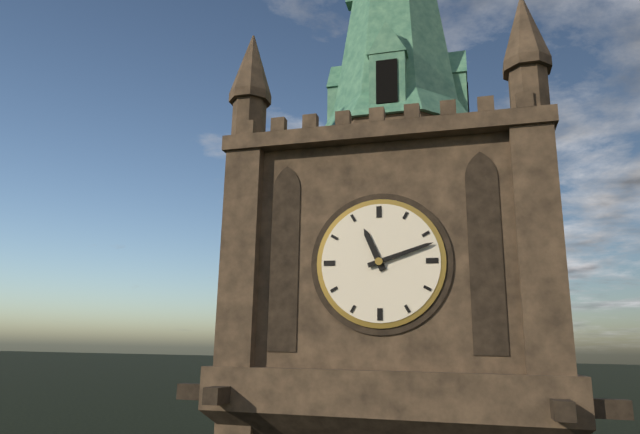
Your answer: 11,12
